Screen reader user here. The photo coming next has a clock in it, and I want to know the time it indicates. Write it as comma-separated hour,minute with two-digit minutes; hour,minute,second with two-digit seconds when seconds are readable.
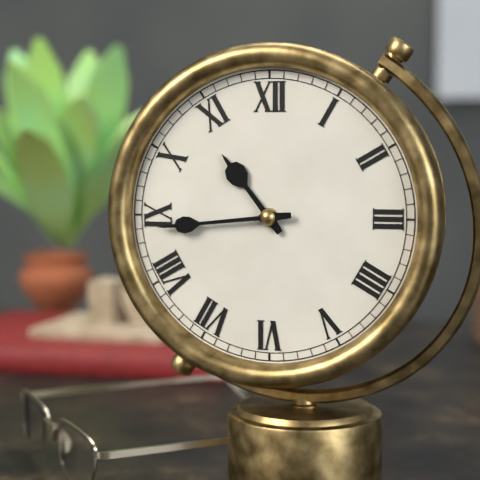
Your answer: 10,44
